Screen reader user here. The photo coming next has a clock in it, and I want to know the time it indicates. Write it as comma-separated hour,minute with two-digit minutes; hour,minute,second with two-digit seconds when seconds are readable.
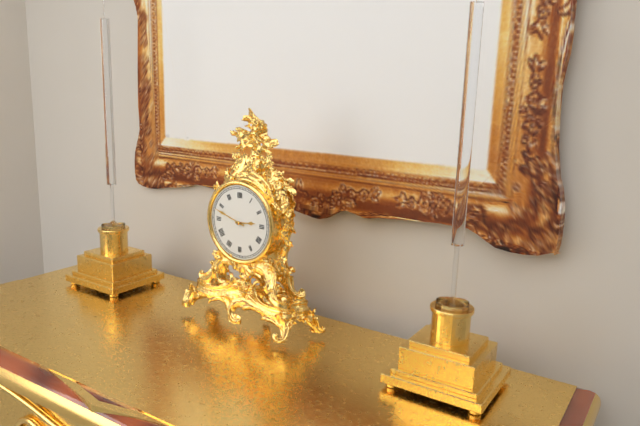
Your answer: 2,48
